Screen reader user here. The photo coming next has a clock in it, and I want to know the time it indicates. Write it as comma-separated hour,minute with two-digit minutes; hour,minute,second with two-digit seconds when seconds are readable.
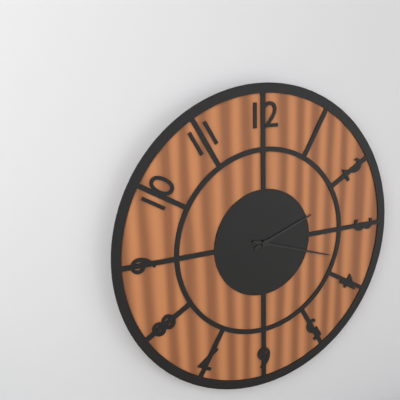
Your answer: 2,18
